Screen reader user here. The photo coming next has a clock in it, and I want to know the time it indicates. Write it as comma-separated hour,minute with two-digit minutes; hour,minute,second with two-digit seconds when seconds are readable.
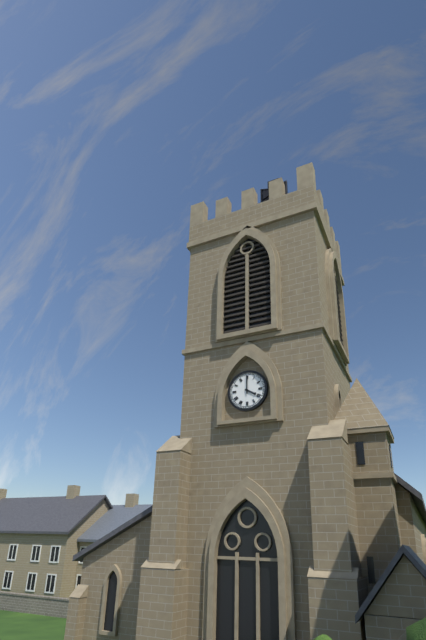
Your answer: 4,00
